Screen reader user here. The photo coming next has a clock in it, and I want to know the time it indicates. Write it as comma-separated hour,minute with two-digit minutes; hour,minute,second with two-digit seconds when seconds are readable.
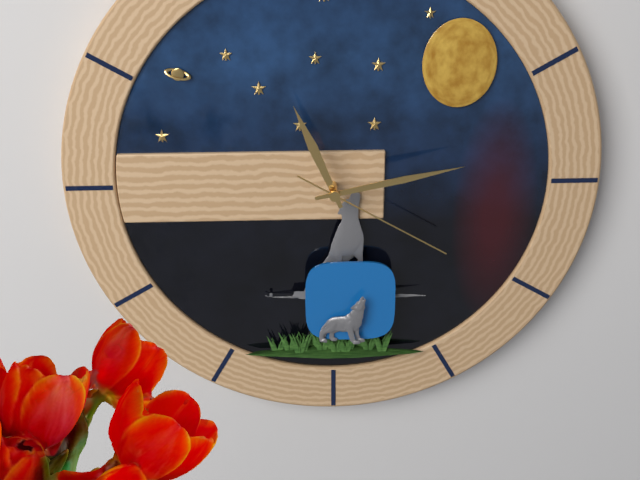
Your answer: 11,13,20
